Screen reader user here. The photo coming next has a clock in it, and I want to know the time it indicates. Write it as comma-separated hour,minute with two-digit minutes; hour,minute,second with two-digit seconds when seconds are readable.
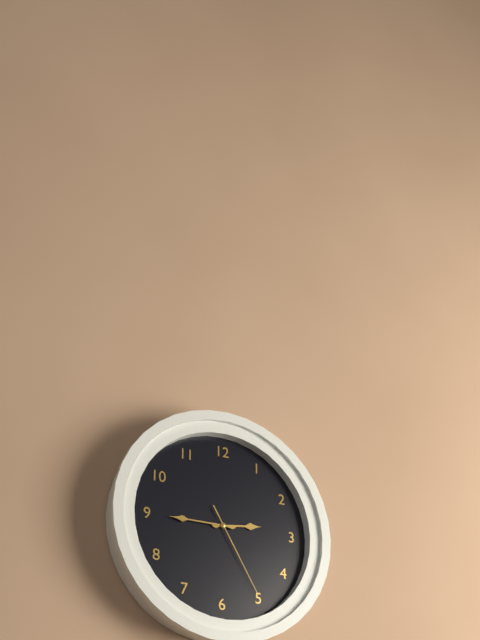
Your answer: 2,45,25
